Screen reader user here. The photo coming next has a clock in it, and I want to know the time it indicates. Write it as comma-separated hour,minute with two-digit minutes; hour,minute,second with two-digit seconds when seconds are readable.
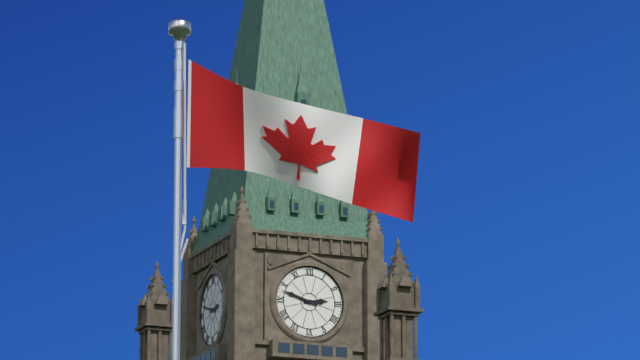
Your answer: 2,48
